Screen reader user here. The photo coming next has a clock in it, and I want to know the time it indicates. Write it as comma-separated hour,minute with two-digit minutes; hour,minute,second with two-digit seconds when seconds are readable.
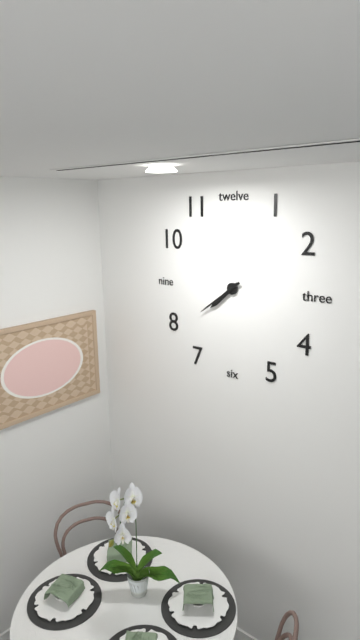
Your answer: 7,39
